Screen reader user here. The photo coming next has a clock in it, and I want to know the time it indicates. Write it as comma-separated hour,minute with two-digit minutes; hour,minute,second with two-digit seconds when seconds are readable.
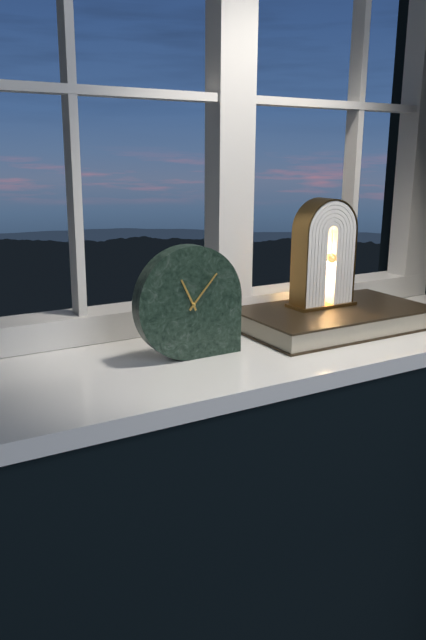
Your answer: 11,07
